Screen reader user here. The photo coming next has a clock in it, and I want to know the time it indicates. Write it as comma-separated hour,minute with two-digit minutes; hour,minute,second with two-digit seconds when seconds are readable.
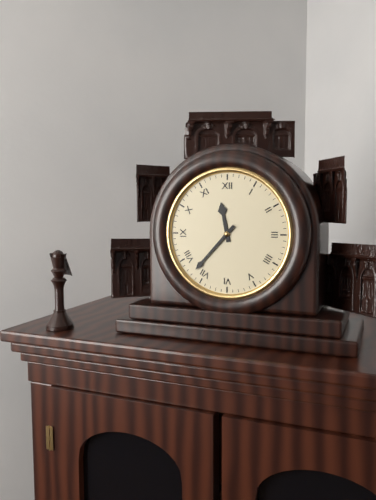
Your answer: 11,37
